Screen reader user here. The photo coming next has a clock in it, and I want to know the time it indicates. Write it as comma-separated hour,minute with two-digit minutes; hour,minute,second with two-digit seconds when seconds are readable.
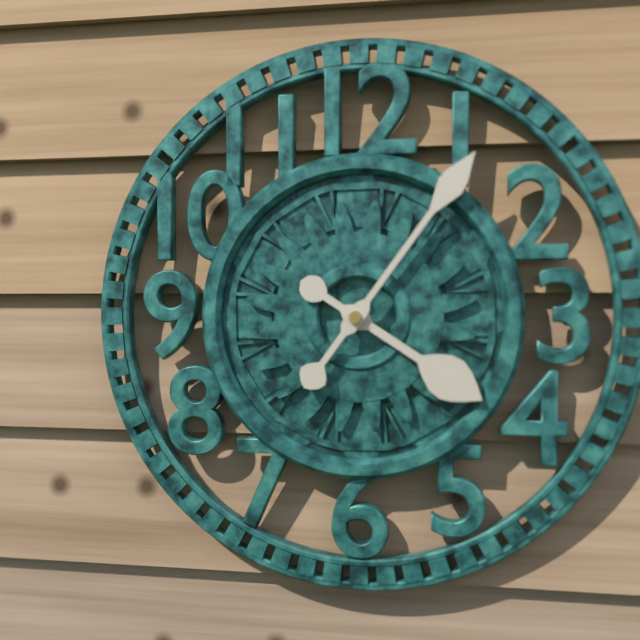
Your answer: 4,06
